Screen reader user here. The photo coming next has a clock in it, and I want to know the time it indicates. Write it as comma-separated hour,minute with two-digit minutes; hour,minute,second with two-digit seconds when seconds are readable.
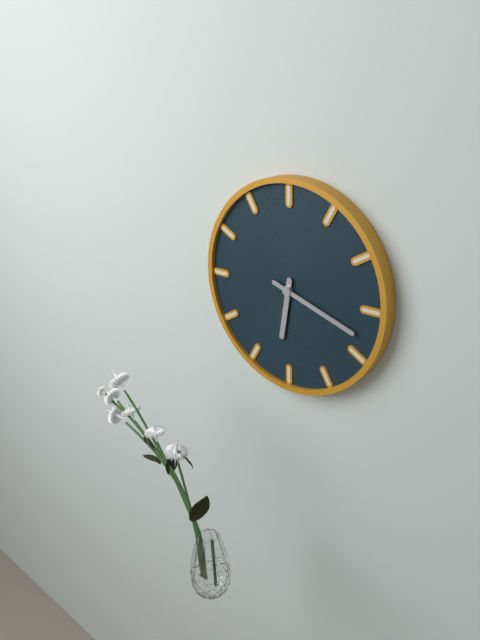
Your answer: 6,18
